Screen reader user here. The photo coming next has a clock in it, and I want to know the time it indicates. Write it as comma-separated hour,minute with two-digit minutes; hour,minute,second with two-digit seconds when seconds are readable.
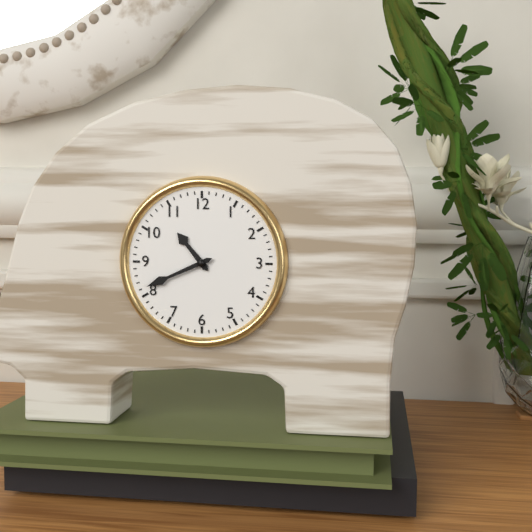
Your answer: 10,41
